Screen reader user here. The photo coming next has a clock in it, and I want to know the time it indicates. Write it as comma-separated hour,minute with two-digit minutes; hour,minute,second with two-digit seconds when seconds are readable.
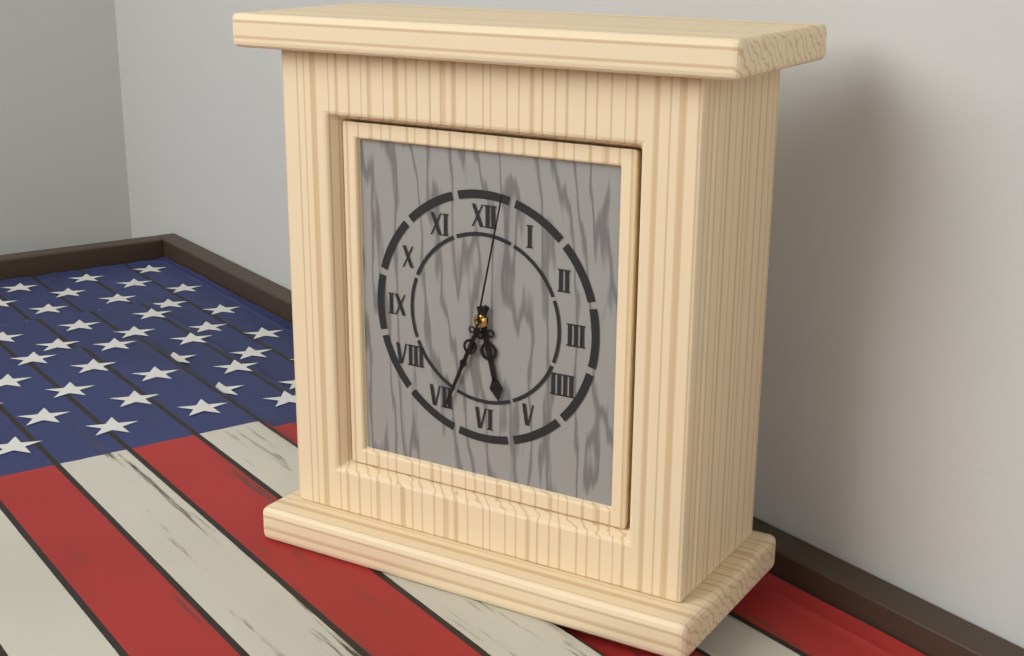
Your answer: 5,34,02
